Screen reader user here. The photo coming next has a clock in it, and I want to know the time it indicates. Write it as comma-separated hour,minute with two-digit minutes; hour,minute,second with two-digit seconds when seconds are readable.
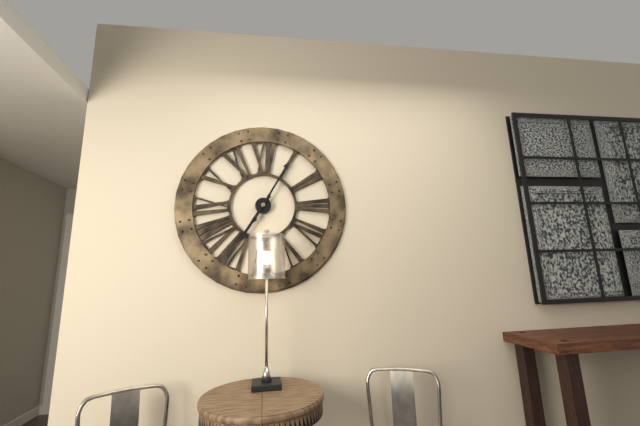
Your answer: 7,05
